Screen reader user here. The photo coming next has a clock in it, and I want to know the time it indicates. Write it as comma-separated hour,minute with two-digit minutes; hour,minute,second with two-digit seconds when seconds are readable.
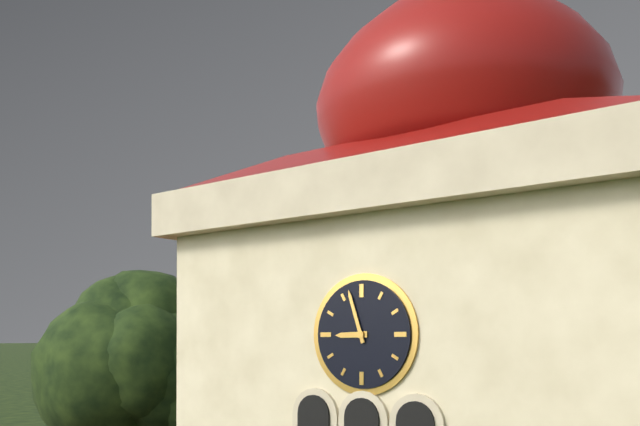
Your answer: 8,57
